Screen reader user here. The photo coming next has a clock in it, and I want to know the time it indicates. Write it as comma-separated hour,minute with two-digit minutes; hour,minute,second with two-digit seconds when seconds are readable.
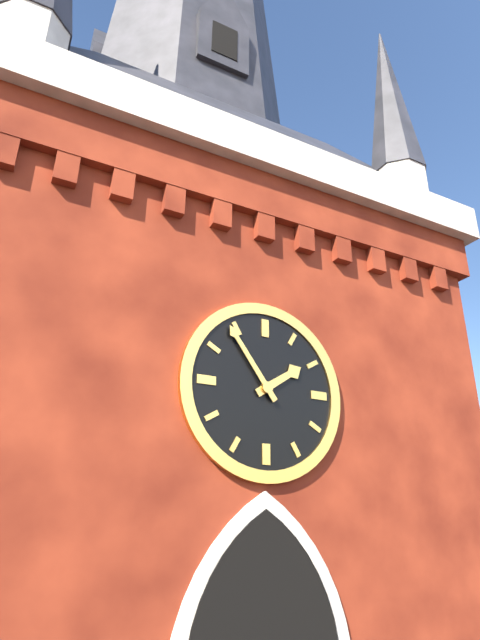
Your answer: 1,54
